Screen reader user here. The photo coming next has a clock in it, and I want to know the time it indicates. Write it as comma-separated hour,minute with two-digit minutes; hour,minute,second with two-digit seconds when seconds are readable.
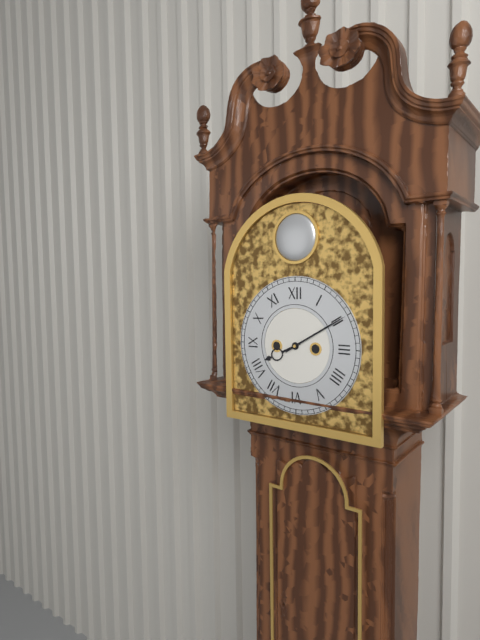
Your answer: 8,10
